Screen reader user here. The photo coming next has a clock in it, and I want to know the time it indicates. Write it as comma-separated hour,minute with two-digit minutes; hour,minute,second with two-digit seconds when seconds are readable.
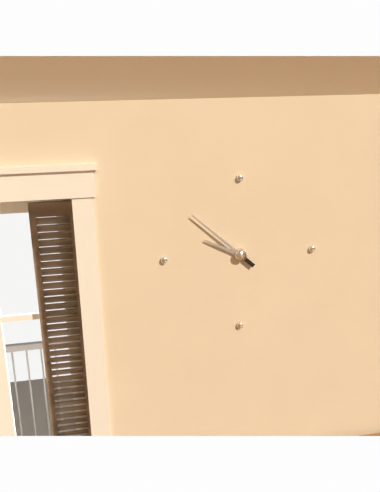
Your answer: 9,52
